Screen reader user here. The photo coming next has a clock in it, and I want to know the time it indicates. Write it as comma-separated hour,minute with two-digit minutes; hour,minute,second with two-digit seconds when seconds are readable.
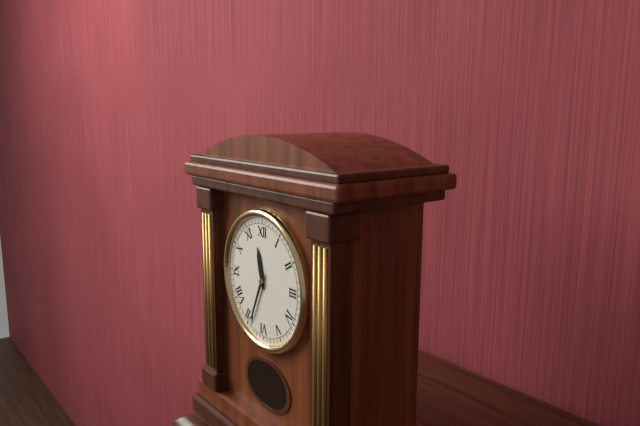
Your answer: 11,34
